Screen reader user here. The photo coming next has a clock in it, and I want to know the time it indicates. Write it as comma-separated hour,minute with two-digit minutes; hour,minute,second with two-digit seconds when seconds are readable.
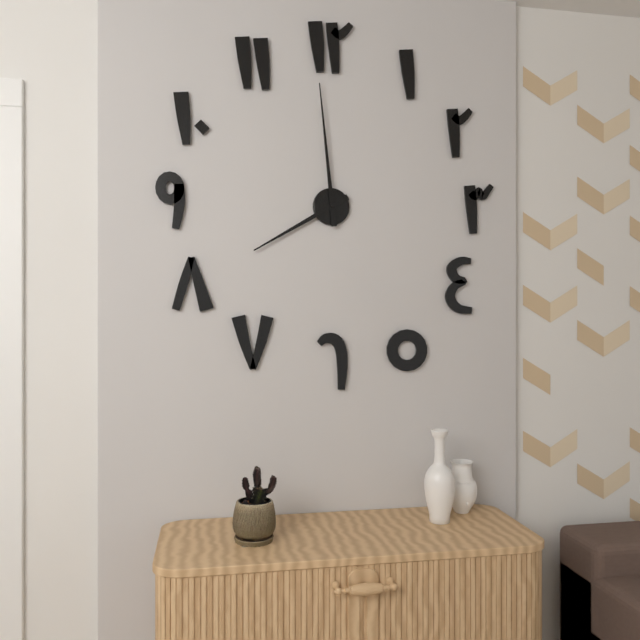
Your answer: 7,59
